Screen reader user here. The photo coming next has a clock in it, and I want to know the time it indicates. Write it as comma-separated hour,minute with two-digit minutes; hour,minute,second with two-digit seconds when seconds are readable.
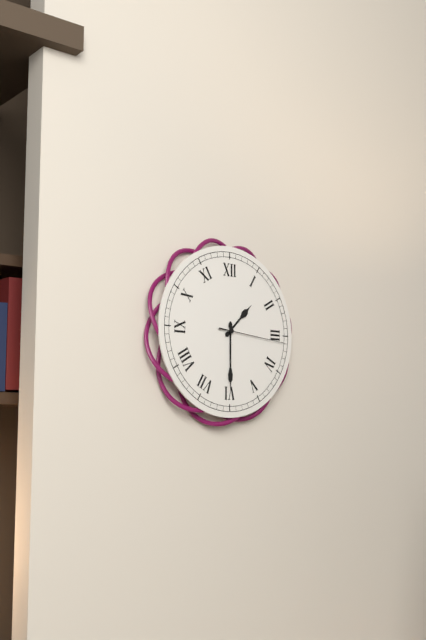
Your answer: 1,30,16
